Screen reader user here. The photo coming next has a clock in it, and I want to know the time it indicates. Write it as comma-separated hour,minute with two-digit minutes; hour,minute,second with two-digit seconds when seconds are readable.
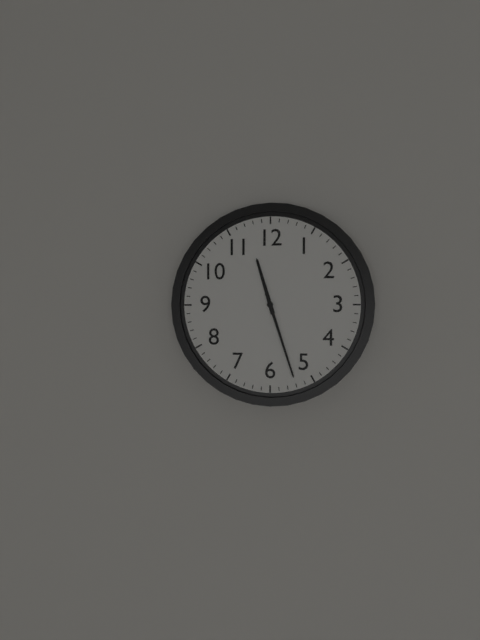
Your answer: 11,27
